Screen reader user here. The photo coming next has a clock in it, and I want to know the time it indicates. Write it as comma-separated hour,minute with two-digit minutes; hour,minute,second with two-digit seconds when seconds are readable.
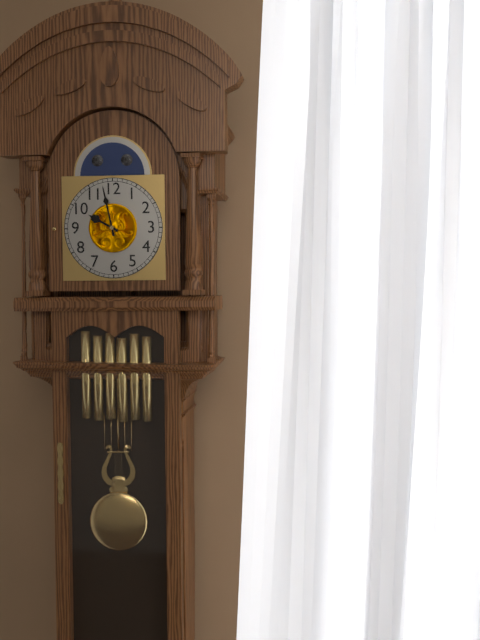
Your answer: 9,58
